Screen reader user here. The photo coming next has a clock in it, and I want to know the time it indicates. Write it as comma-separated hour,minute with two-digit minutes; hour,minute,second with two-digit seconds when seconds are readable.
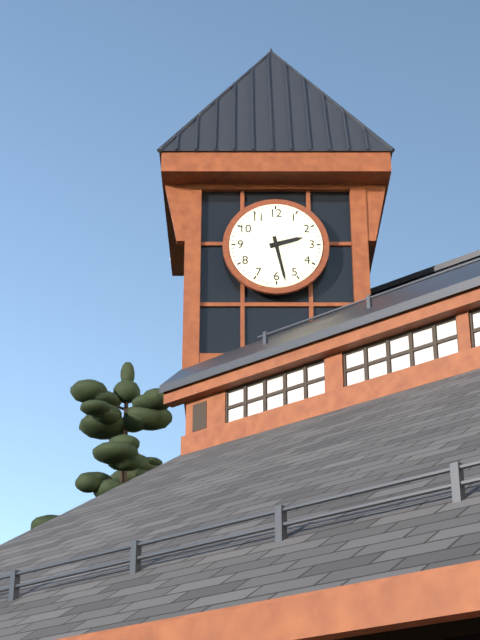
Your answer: 2,28
